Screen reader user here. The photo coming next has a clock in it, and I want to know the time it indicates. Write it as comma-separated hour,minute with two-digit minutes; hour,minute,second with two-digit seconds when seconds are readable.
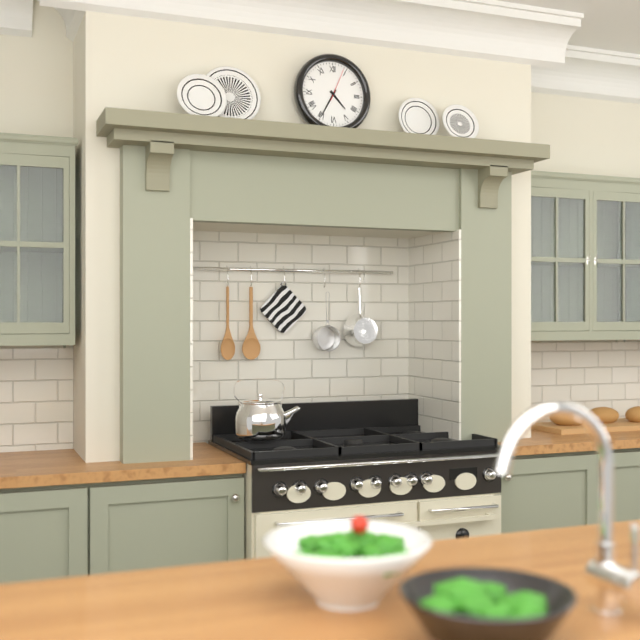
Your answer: 4,35
